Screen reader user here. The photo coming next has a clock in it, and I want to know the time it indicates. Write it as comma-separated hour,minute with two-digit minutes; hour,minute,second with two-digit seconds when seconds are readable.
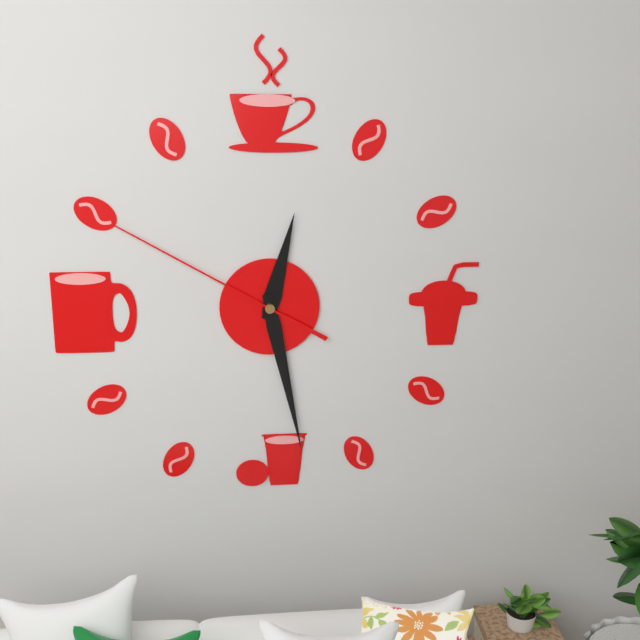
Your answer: 12,28,50
